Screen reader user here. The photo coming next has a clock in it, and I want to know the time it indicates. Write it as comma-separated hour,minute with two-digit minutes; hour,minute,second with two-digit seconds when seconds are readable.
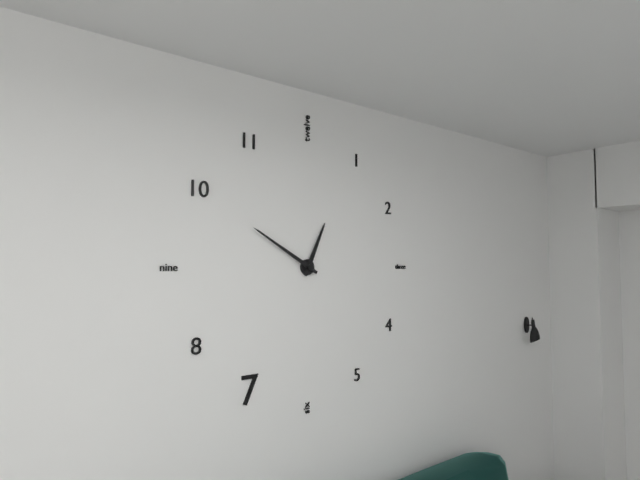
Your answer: 12,50
